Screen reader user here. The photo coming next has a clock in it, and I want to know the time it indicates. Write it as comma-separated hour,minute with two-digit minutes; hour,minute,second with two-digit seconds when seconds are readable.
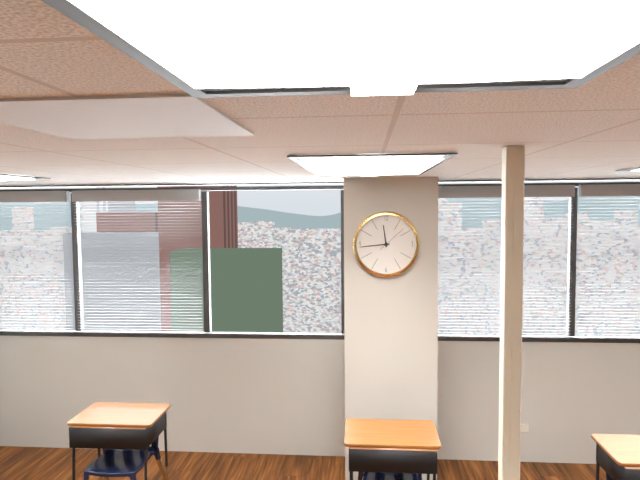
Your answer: 11,44
